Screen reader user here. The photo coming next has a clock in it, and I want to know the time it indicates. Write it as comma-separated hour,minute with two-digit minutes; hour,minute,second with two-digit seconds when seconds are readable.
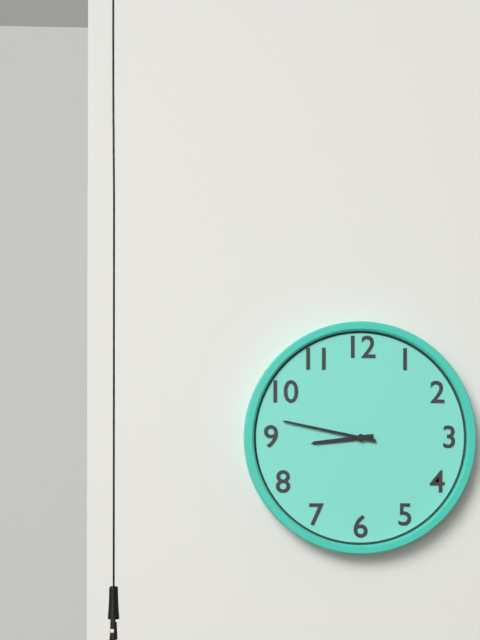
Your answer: 8,47
